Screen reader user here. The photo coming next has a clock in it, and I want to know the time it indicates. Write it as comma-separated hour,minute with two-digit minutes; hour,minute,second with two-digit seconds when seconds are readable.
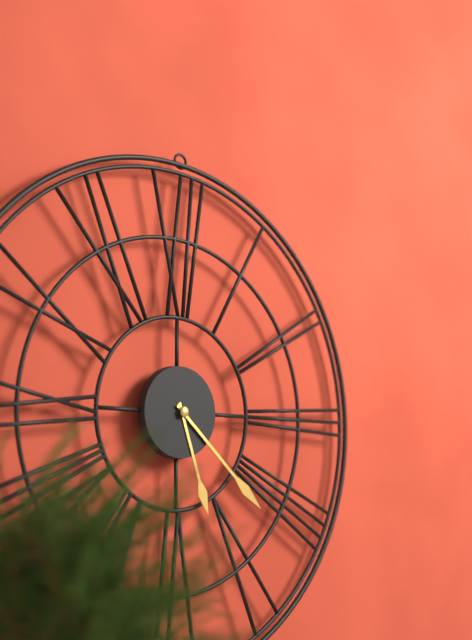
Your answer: 5,22
